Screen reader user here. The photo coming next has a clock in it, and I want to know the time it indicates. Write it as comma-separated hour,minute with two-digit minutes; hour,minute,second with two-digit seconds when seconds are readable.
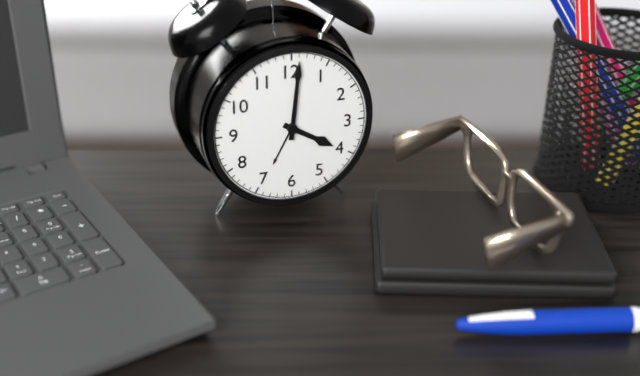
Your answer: 4,01
